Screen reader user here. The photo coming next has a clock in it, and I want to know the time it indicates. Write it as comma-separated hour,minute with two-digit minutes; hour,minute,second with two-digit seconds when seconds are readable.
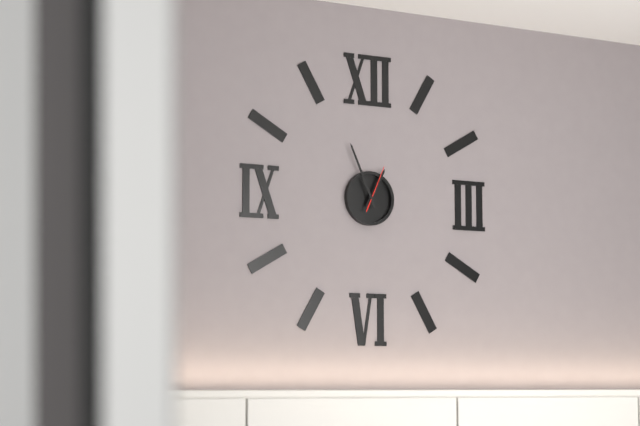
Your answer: 12,56
